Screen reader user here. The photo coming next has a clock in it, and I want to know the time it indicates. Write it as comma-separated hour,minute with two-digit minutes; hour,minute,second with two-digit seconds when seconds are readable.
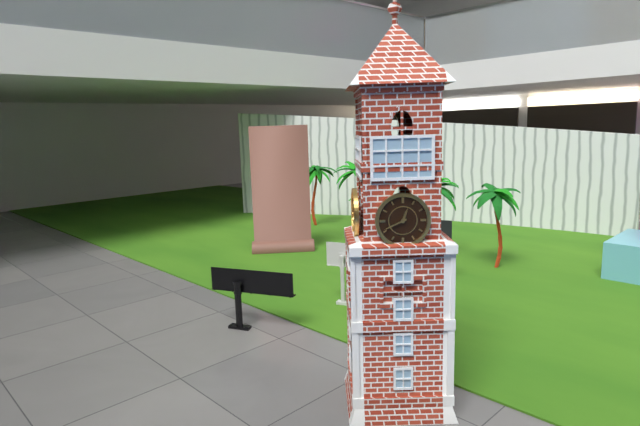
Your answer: 12,41
